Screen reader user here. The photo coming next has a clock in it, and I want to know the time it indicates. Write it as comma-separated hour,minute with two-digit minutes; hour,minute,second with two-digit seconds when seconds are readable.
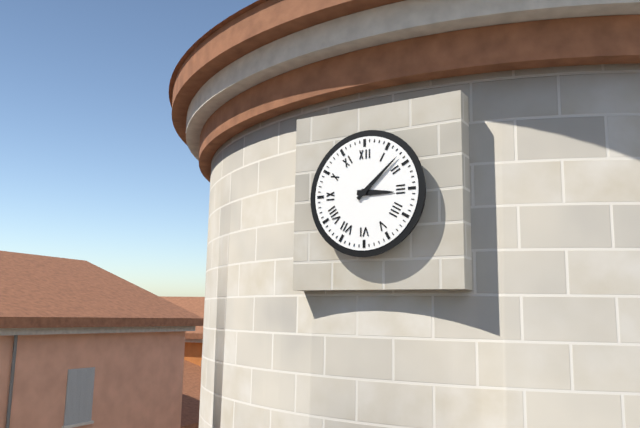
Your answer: 3,08
